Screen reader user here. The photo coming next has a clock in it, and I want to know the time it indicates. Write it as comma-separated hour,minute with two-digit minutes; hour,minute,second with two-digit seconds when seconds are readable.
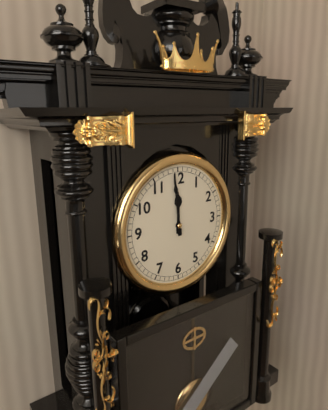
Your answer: 11,59
